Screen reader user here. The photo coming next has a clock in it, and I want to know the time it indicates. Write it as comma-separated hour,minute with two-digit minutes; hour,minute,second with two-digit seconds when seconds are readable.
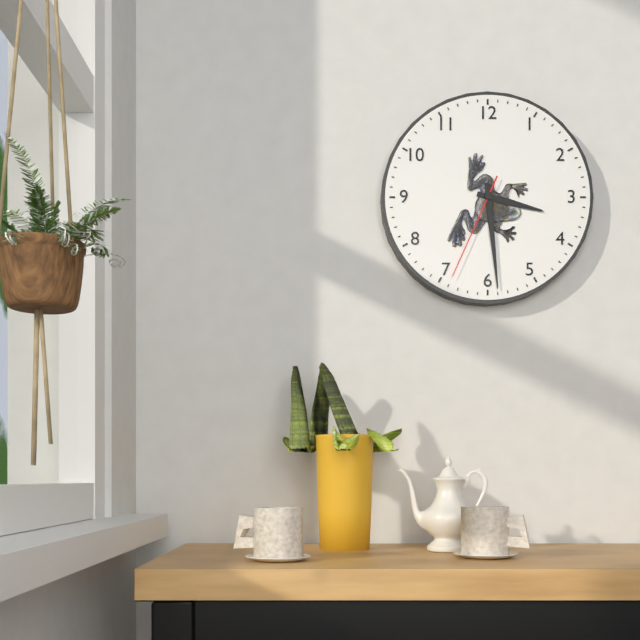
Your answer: 3,29,34
